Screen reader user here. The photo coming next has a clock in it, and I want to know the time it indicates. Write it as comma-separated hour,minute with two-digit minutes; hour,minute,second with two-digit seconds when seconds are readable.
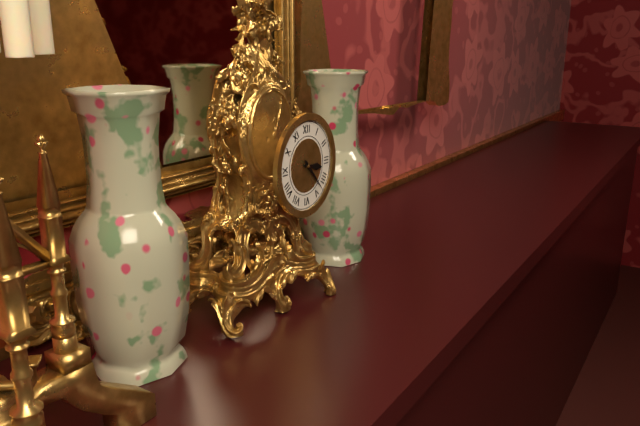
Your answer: 3,23
